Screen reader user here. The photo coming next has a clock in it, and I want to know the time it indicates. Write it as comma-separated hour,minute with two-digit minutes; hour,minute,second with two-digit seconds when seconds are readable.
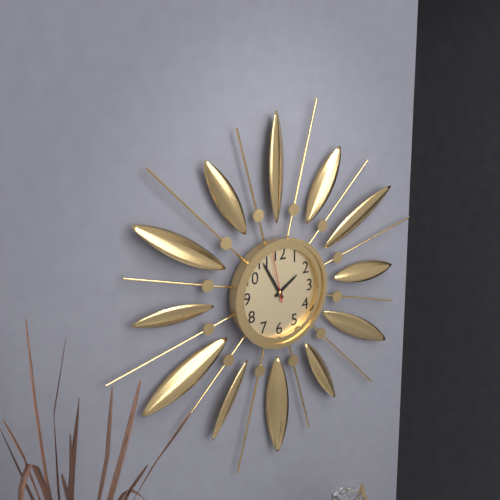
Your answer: 1,55,58
